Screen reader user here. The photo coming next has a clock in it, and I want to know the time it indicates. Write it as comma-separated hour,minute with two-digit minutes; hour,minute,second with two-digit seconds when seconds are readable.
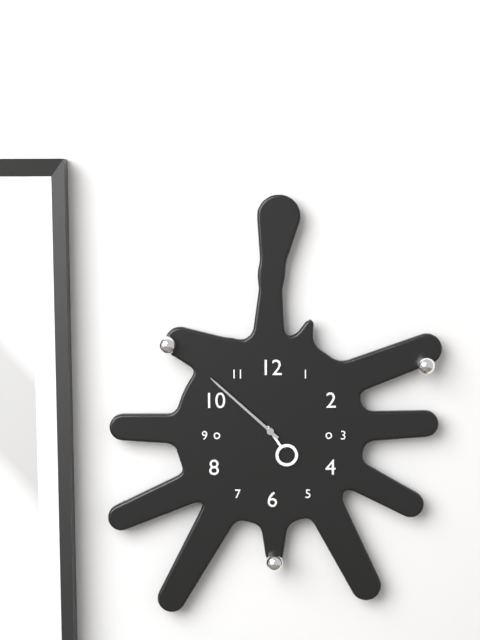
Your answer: 4,52
